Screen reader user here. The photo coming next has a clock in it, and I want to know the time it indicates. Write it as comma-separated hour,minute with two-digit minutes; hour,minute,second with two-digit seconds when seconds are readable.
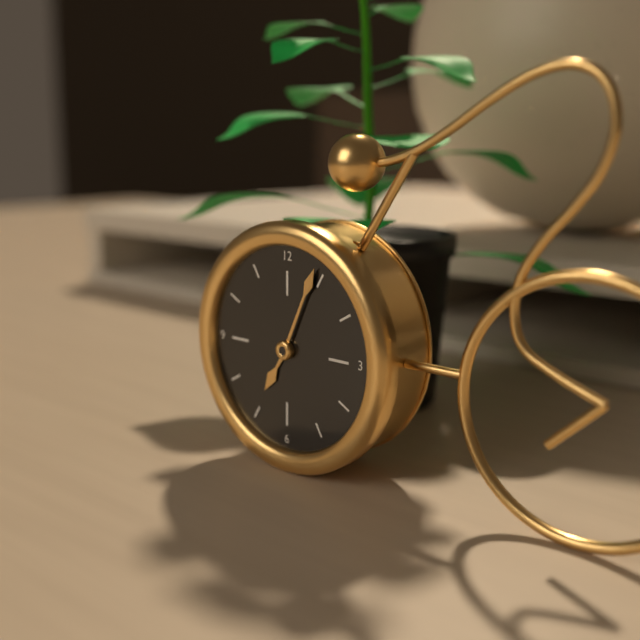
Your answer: 7,04
